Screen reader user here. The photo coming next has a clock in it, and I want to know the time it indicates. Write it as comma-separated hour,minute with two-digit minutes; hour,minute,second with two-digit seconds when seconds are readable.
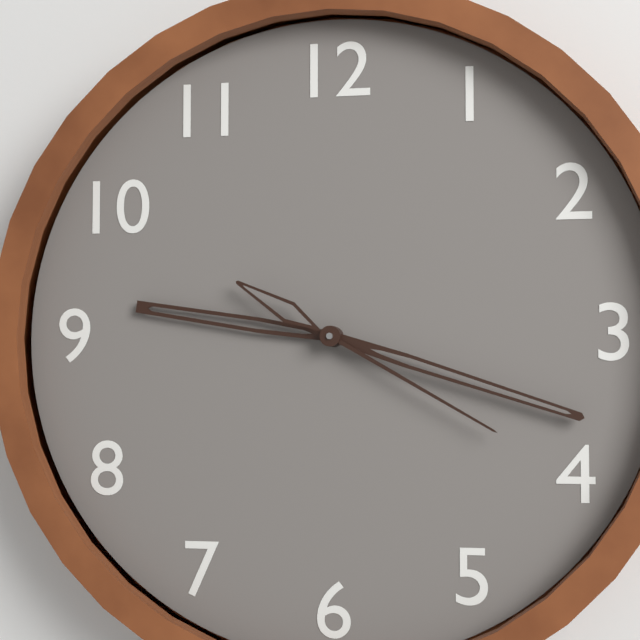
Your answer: 9,18,20
